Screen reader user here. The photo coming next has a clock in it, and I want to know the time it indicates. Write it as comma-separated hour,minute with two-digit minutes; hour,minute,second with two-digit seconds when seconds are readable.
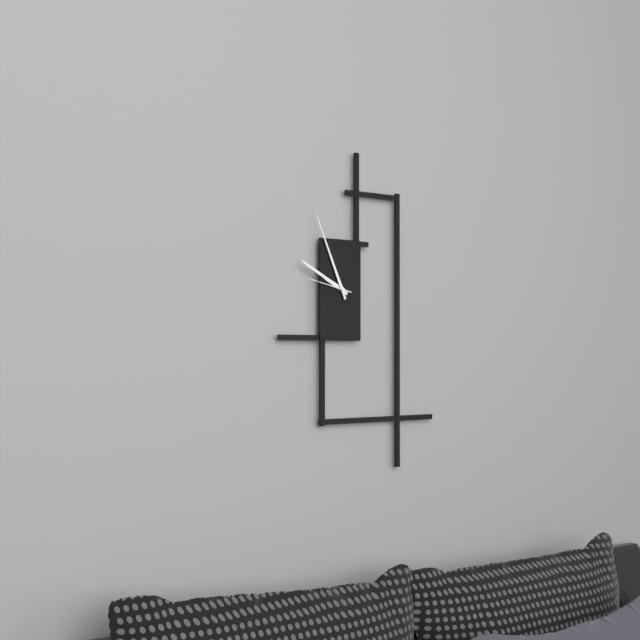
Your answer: 9,56
